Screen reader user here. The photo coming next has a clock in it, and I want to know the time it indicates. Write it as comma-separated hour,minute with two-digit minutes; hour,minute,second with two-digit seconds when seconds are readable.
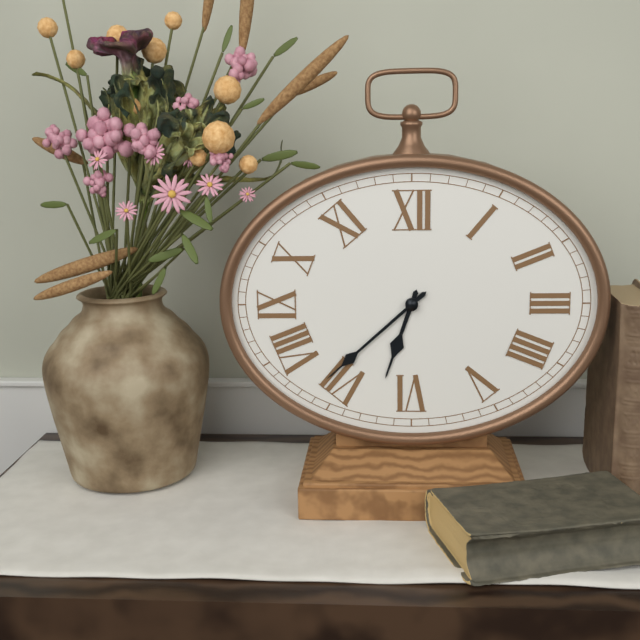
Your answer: 6,38
